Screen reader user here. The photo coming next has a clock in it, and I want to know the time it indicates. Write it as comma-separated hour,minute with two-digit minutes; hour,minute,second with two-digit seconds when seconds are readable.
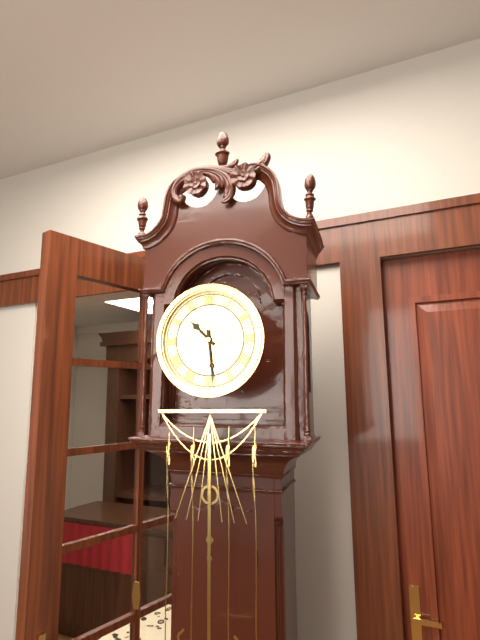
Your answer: 10,29
